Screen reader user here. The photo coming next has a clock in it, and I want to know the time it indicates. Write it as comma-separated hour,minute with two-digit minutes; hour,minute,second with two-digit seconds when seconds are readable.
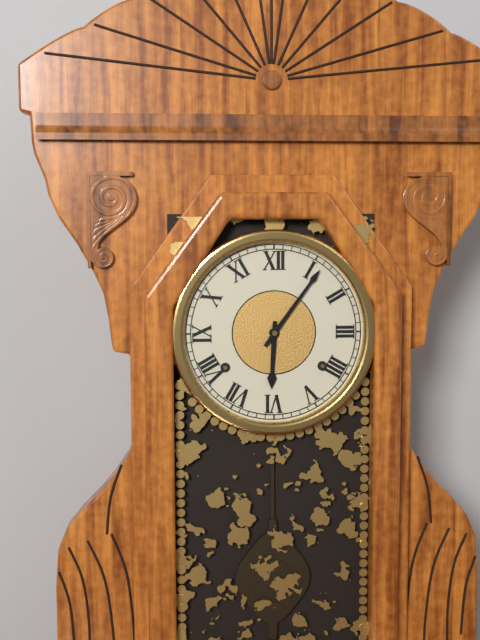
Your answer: 6,06
